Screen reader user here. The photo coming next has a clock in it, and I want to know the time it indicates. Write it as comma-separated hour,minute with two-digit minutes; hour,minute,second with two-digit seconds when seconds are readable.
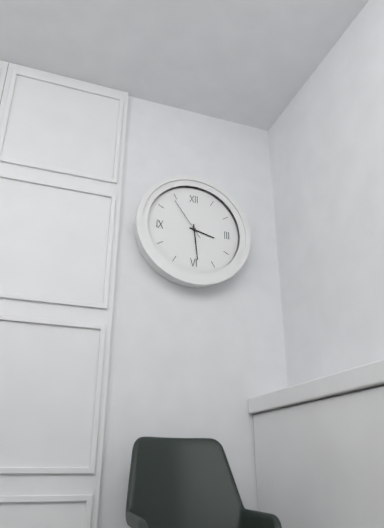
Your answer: 3,29
